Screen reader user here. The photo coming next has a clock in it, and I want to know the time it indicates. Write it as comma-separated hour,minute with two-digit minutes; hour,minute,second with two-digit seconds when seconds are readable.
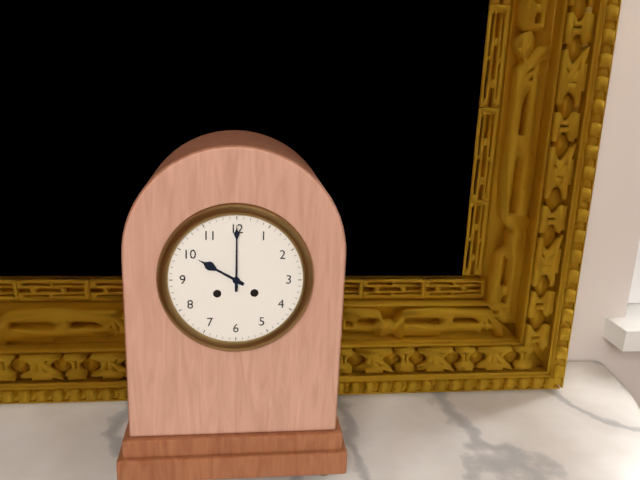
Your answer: 10,00
